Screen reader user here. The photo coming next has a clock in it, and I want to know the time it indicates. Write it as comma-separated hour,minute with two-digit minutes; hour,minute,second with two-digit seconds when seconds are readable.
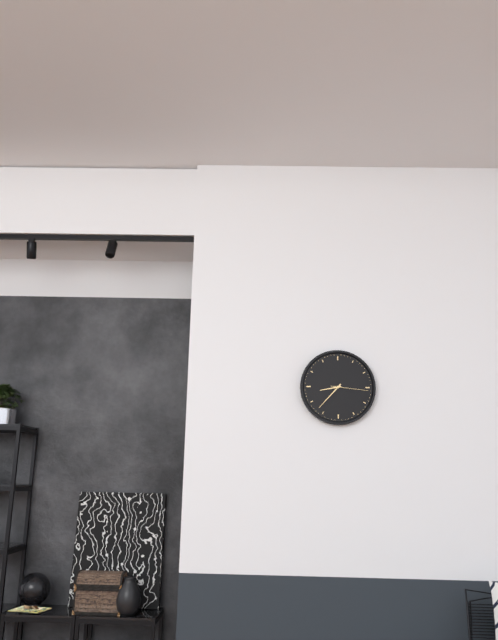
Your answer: 8,37
